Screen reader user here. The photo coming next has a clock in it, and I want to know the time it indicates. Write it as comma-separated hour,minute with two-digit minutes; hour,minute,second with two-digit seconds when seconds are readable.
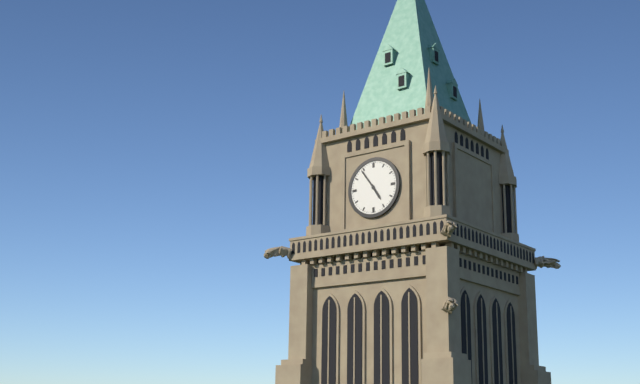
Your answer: 4,54
